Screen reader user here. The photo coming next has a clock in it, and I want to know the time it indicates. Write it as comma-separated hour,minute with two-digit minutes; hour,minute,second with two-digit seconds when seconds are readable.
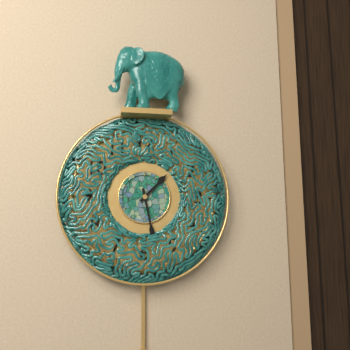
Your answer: 1,28
